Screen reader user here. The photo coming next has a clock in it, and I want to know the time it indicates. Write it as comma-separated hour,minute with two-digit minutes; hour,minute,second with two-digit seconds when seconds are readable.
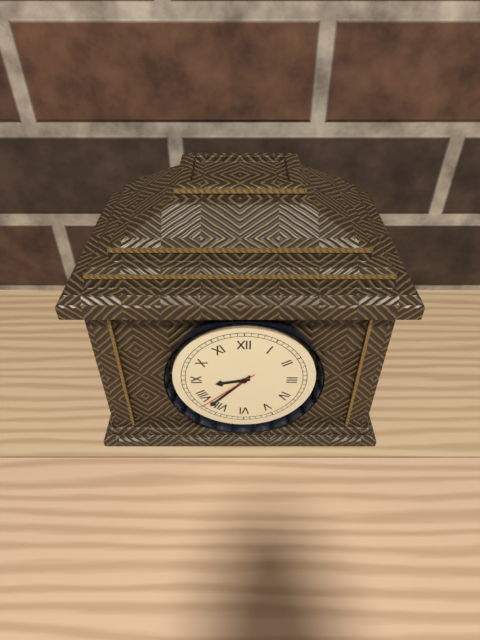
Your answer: 8,37,38
